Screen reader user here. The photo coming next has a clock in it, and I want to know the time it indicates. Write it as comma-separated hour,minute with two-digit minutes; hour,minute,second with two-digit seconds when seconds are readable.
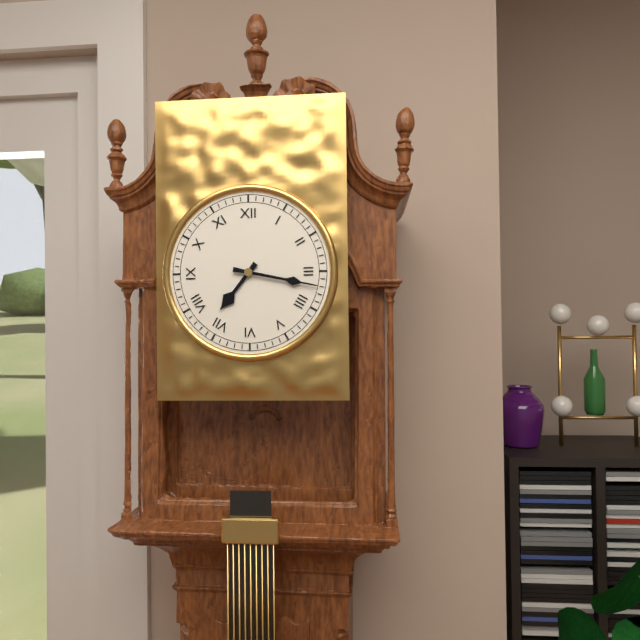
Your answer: 7,17
